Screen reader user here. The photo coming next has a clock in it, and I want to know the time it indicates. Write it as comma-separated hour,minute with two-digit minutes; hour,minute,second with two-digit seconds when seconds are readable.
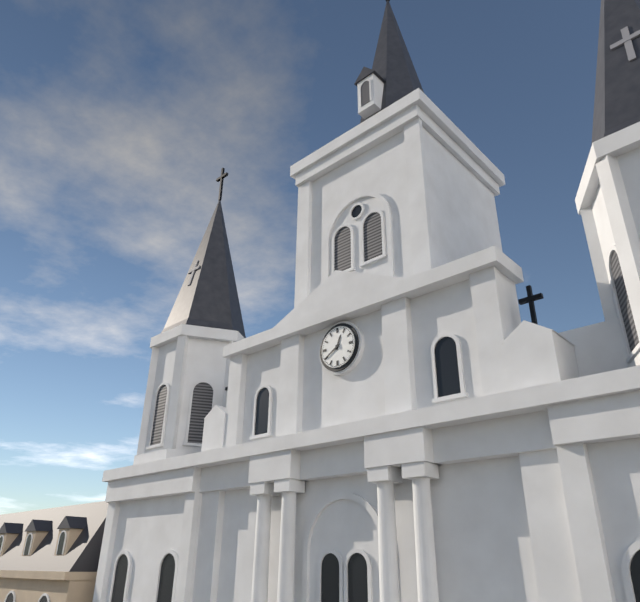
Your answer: 12,40
